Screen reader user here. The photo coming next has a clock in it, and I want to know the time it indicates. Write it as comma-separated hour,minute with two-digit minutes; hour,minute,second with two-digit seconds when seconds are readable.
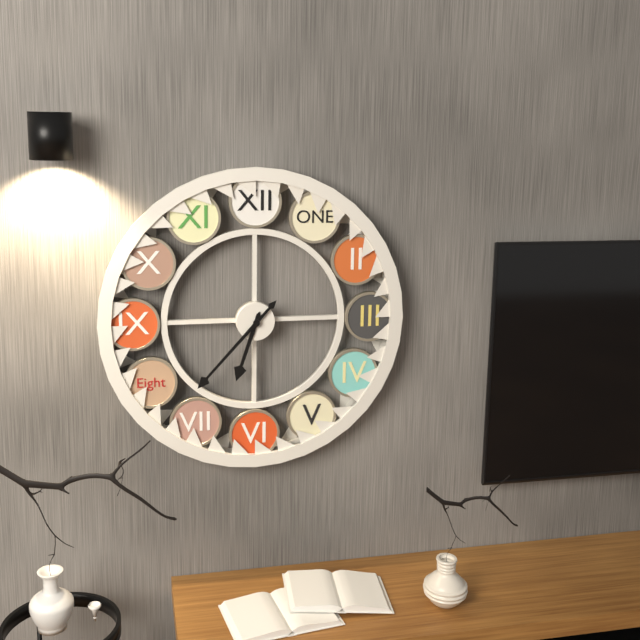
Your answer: 6,37
